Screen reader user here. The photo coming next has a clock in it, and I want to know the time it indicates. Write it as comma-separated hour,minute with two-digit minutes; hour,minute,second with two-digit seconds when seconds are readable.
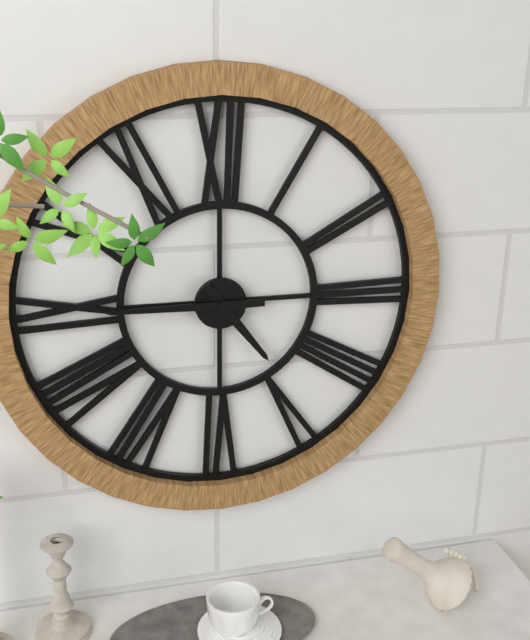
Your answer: 4,45
